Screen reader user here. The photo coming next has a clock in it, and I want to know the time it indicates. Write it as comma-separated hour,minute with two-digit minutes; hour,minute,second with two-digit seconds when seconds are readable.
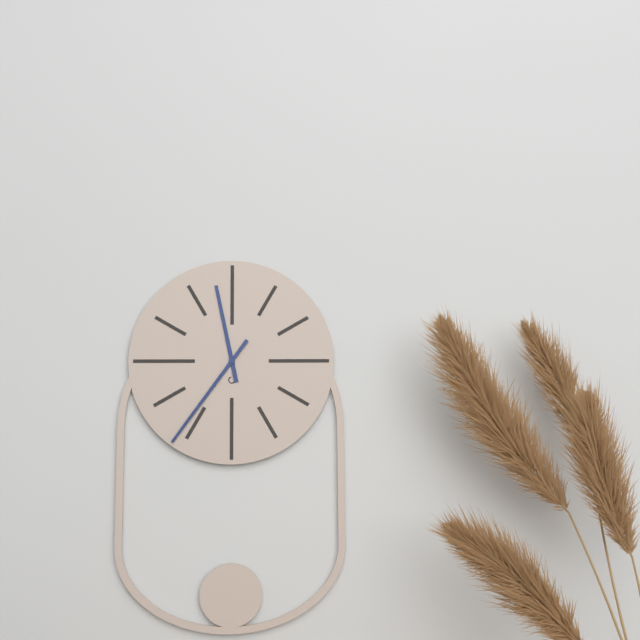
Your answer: 11,36
